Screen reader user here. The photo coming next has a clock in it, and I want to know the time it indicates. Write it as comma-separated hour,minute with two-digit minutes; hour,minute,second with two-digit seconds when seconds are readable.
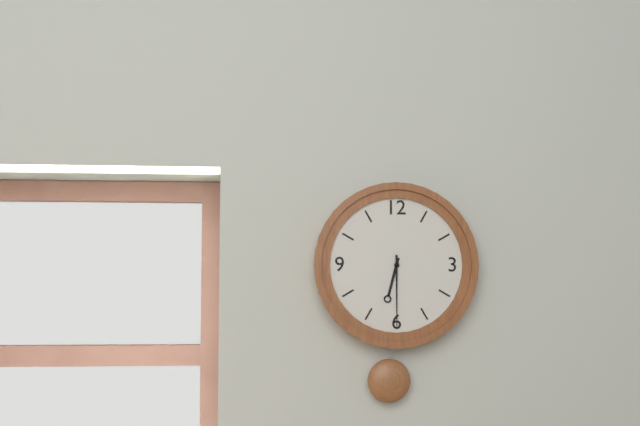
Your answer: 6,30
